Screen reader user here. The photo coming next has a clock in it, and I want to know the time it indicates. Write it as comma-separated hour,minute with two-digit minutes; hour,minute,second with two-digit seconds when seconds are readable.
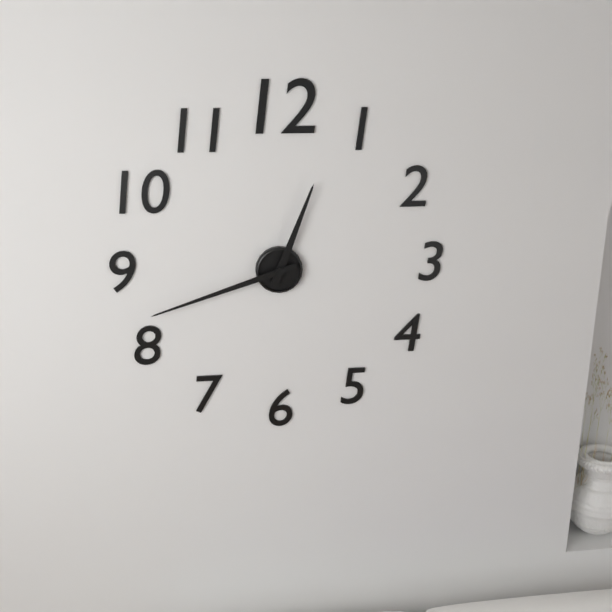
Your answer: 12,42
